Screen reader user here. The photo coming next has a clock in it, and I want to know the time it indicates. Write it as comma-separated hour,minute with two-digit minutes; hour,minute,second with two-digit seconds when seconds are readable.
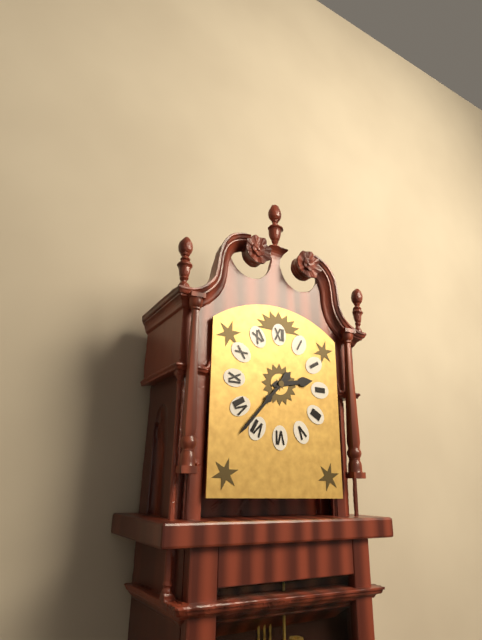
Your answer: 2,37
